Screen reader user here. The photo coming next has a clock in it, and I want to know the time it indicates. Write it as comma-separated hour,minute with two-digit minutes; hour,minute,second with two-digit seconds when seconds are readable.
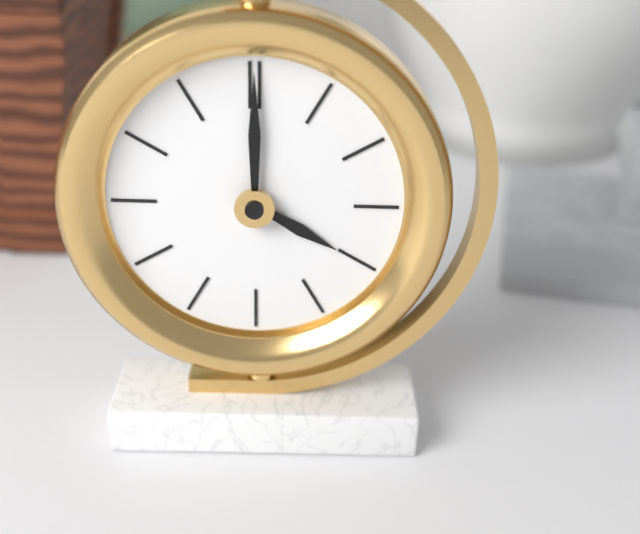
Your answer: 4,00
